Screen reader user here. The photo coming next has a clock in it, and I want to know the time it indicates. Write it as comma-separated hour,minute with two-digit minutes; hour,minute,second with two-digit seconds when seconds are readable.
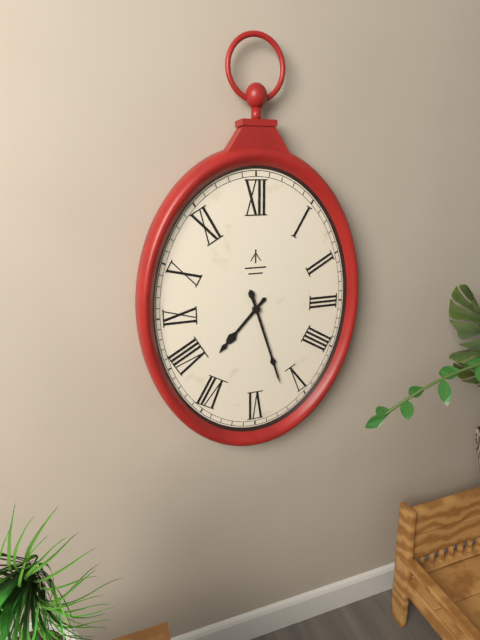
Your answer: 7,27
